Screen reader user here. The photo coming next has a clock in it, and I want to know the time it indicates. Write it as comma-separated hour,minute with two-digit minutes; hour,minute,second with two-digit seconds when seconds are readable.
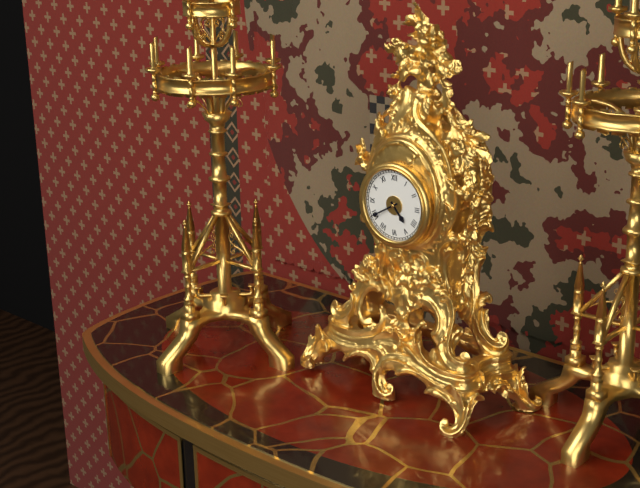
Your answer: 4,40
